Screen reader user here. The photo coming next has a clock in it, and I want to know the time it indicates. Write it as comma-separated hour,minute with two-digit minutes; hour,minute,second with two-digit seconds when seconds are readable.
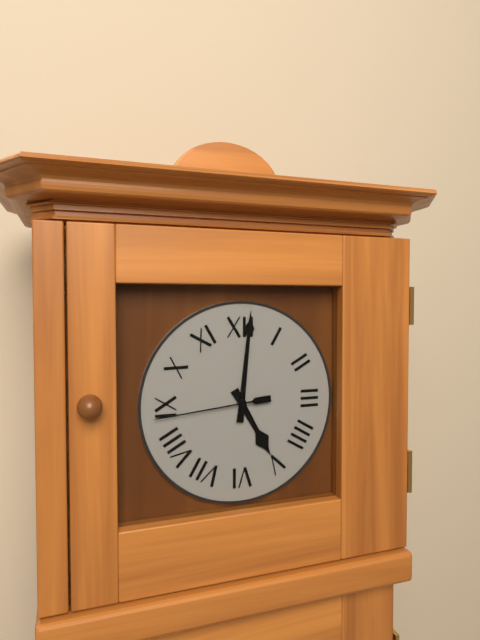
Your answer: 5,01,44
